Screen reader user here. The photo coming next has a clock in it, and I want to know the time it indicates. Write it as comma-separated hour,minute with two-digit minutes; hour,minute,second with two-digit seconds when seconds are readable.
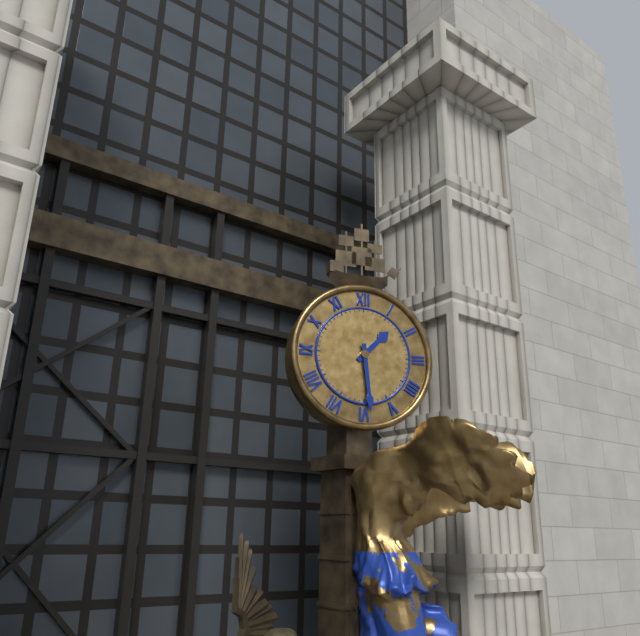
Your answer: 1,29
